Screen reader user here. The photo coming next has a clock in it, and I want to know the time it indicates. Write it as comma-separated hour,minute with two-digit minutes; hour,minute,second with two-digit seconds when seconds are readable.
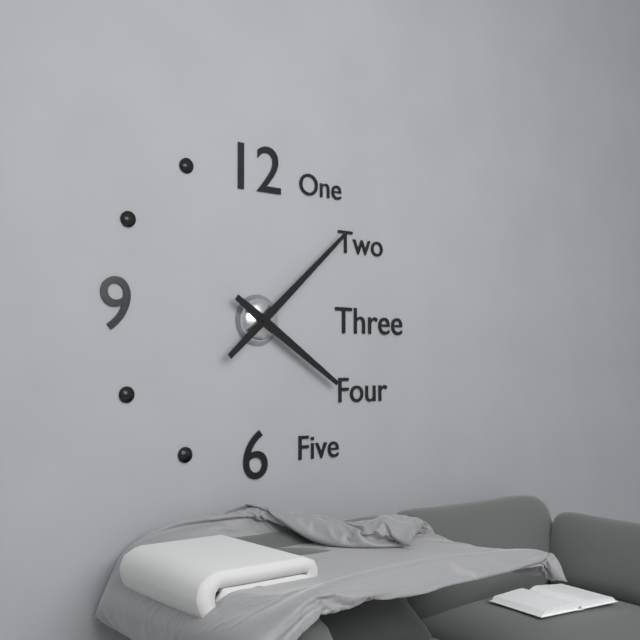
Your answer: 4,08
